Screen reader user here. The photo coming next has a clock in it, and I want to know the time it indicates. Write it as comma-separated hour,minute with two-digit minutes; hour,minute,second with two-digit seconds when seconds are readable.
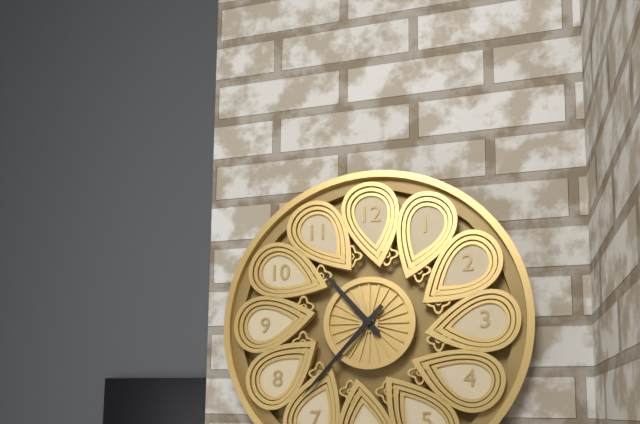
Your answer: 10,37
